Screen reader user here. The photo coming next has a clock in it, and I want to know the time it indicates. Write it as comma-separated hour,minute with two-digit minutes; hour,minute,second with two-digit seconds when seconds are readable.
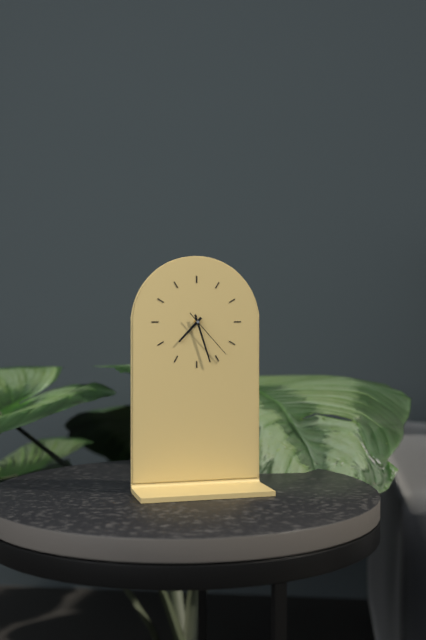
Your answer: 7,27,23
